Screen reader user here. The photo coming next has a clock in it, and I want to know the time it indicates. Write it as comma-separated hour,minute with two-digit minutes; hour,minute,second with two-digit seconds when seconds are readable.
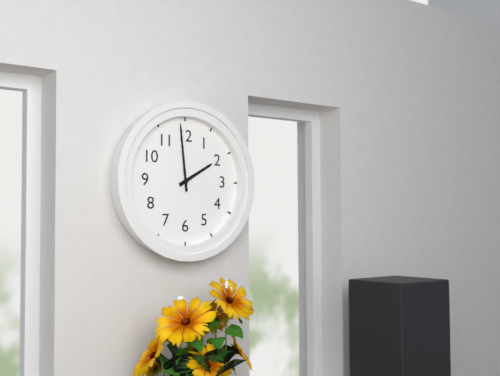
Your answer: 1,59
